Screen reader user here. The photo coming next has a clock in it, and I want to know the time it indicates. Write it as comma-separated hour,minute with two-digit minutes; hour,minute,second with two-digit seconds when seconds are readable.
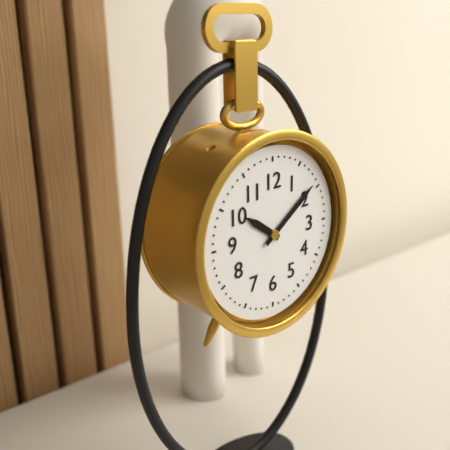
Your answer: 10,09
